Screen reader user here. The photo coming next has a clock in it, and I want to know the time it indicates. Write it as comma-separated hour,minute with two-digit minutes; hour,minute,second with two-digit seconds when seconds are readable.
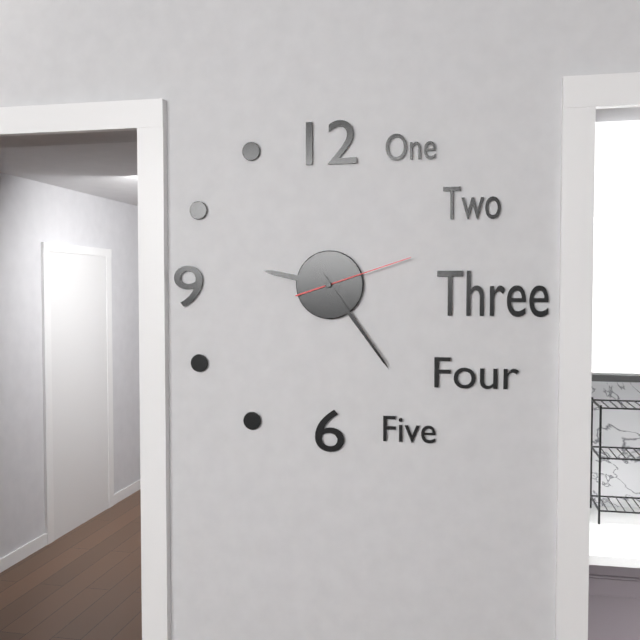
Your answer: 9,24,12
